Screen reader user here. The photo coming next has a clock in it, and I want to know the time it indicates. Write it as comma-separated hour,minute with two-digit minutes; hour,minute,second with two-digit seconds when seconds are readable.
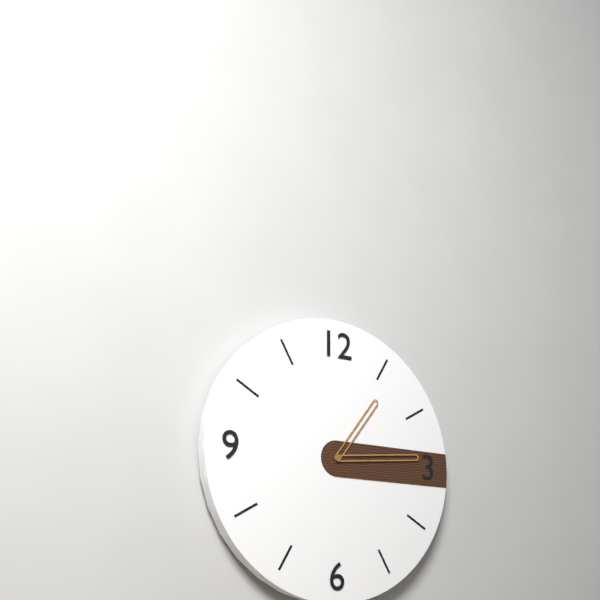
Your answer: 1,14
